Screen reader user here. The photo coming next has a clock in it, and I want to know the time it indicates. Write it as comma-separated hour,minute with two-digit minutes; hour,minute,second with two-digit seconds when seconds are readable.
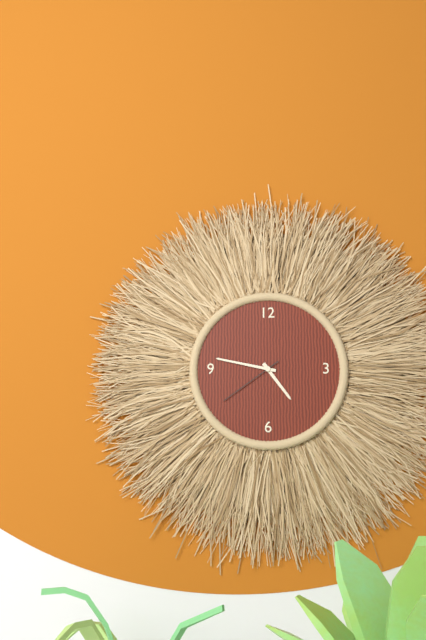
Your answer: 4,47,39
